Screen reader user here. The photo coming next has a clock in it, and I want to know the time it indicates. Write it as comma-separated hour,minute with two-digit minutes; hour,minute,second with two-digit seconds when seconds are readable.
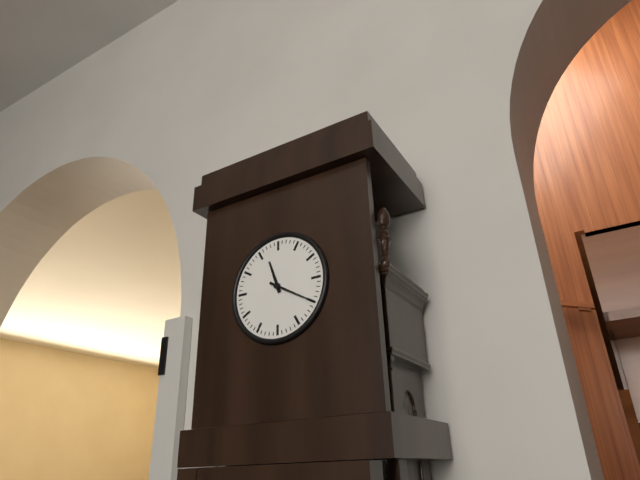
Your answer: 11,20
